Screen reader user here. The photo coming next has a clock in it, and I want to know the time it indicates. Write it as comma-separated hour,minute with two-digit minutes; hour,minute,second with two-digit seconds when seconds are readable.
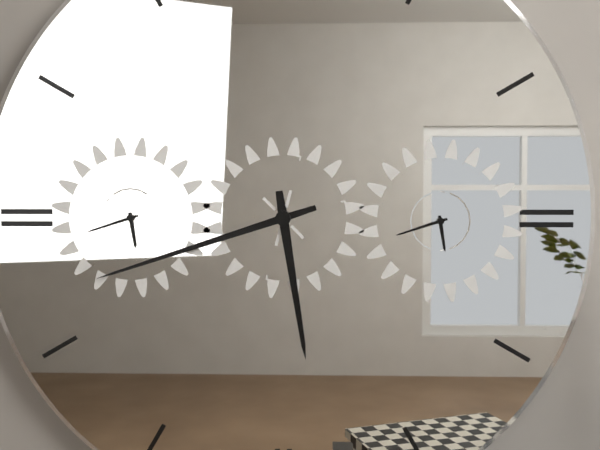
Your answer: 5,42
